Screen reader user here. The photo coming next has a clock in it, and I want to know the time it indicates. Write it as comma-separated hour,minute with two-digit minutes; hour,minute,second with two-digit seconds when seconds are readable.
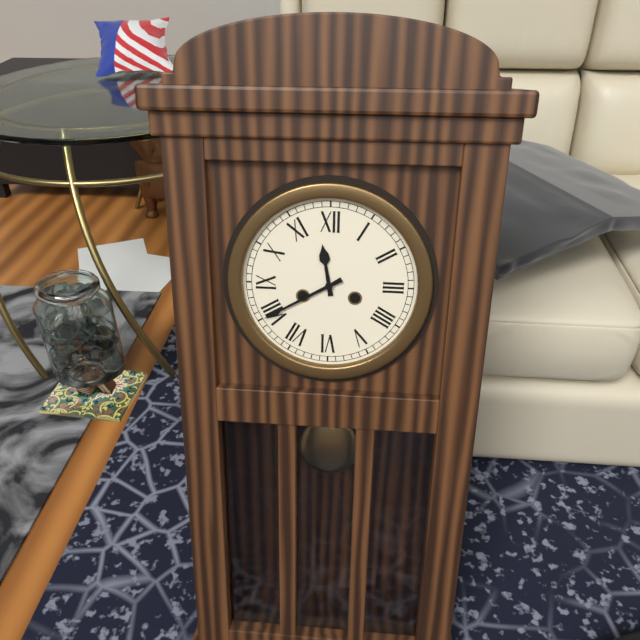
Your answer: 11,40
